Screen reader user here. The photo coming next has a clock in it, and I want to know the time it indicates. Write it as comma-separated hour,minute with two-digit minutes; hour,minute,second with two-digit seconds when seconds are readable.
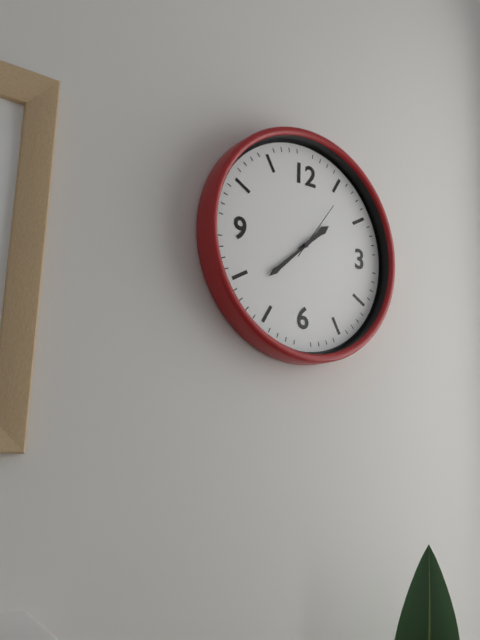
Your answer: 1,38,06
